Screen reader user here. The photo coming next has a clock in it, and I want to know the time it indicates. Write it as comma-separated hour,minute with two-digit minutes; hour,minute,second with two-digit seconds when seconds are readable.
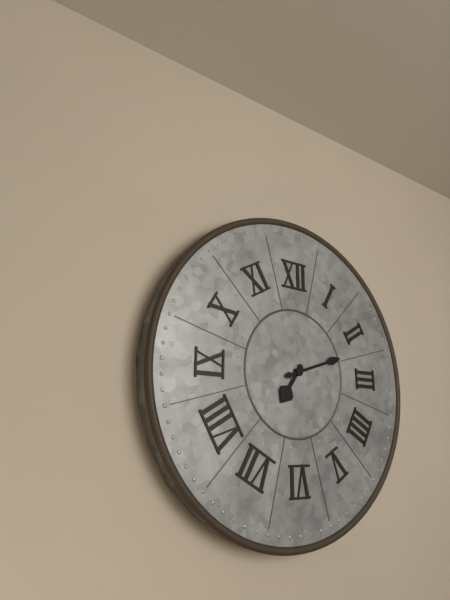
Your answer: 7,12
